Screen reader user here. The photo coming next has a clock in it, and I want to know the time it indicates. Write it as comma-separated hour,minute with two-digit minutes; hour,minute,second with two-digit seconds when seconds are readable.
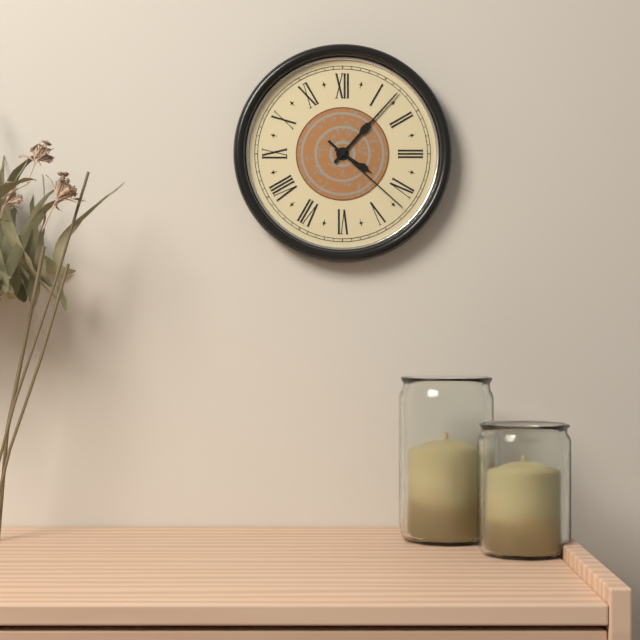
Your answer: 4,07,22
